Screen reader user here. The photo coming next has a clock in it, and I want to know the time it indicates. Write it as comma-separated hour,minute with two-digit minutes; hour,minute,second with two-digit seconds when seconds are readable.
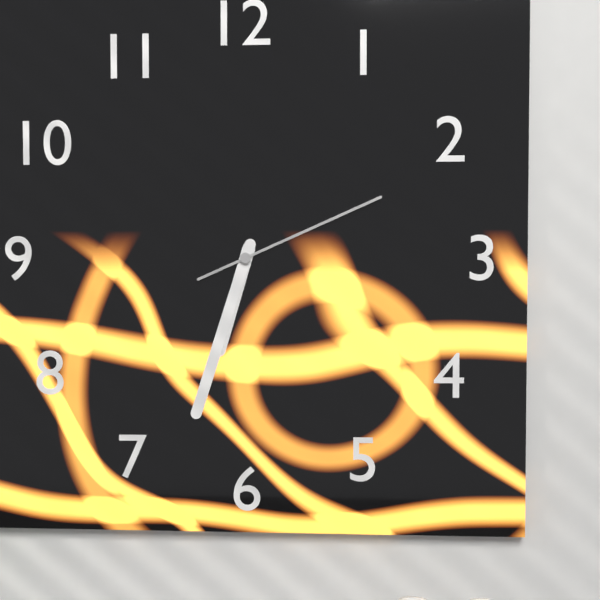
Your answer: 6,33,11
